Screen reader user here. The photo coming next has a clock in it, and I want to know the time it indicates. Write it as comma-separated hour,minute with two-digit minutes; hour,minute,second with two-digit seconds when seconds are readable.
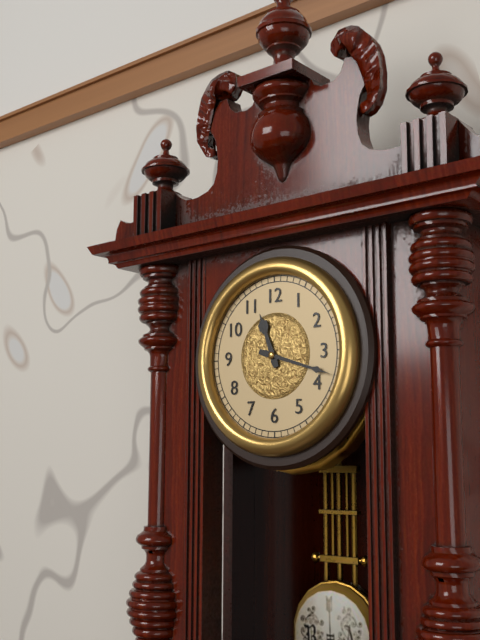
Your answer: 11,18
